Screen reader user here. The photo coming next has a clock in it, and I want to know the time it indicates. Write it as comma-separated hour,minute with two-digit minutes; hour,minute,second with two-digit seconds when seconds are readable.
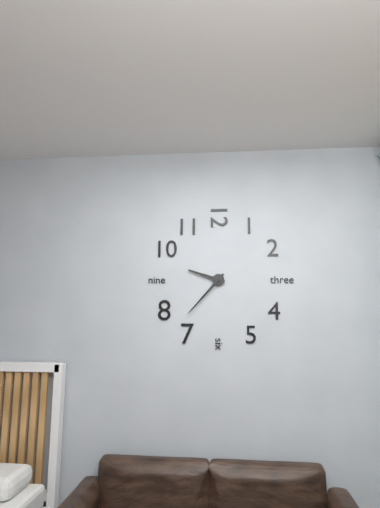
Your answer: 9,37
